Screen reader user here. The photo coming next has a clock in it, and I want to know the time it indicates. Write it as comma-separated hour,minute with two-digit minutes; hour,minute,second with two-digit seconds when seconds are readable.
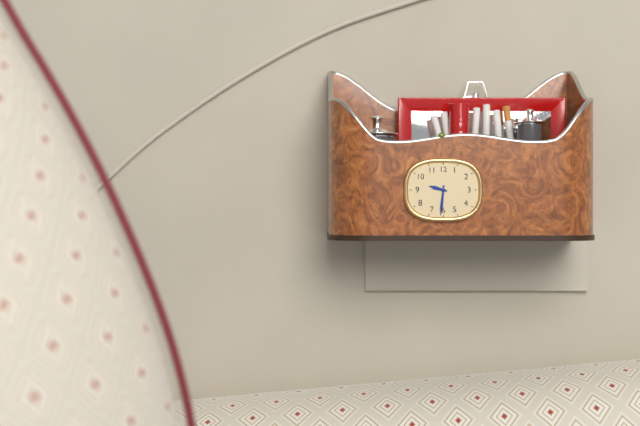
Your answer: 9,31
